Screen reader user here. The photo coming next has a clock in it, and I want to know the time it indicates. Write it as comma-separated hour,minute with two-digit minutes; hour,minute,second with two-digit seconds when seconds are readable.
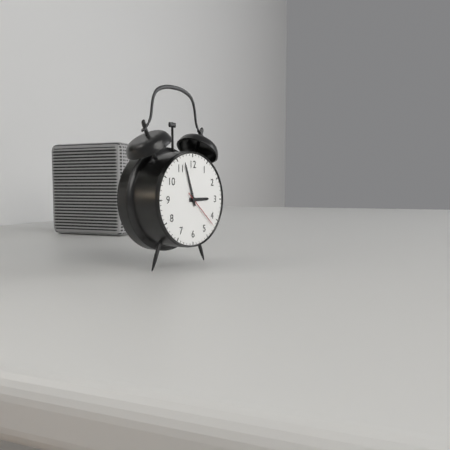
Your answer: 2,57
